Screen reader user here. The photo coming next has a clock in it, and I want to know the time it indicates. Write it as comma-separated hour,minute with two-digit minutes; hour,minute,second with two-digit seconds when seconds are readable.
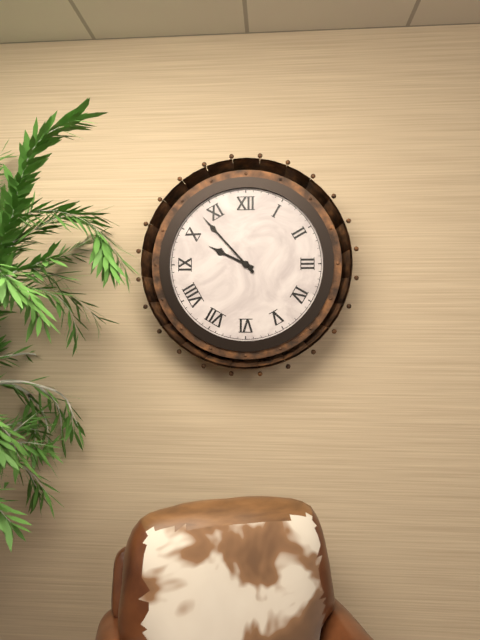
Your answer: 9,53
